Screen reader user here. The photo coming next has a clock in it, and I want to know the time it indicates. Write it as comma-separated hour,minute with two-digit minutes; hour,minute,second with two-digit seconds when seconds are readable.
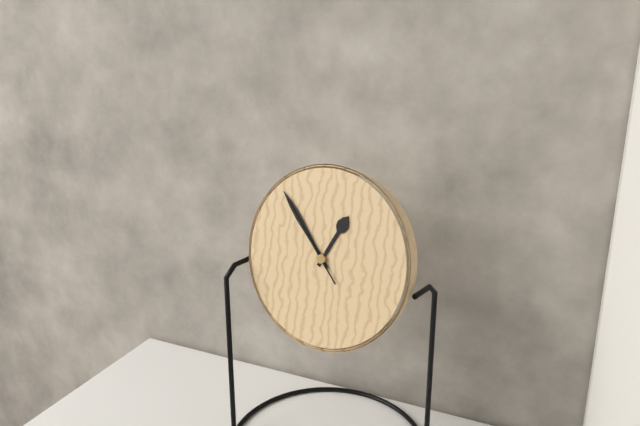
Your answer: 12,53,53
